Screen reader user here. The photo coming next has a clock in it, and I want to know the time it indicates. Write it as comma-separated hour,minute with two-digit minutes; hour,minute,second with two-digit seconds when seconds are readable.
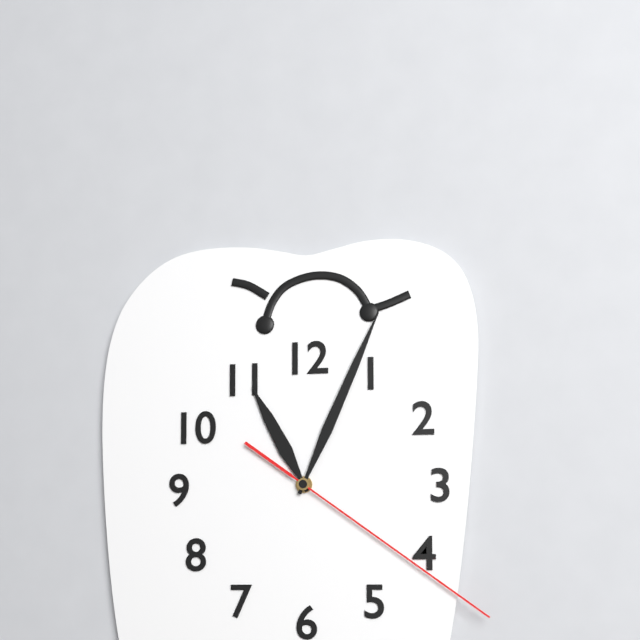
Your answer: 11,04,21
